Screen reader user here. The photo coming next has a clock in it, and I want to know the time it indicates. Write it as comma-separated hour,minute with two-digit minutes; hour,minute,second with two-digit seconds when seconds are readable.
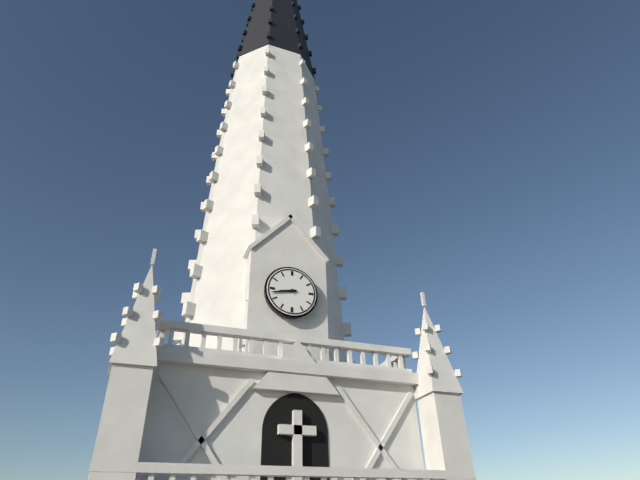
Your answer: 8,43
